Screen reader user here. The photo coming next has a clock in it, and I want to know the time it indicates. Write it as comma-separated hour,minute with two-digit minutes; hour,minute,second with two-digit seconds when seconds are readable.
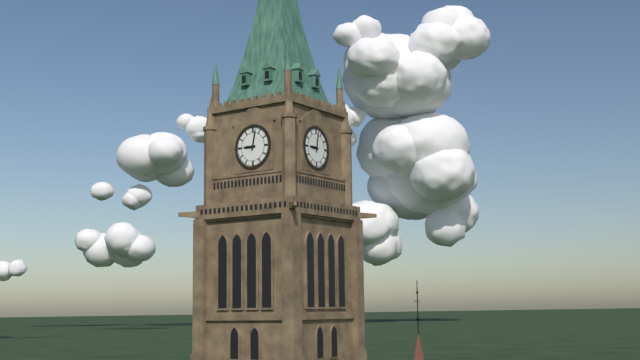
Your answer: 9,02
